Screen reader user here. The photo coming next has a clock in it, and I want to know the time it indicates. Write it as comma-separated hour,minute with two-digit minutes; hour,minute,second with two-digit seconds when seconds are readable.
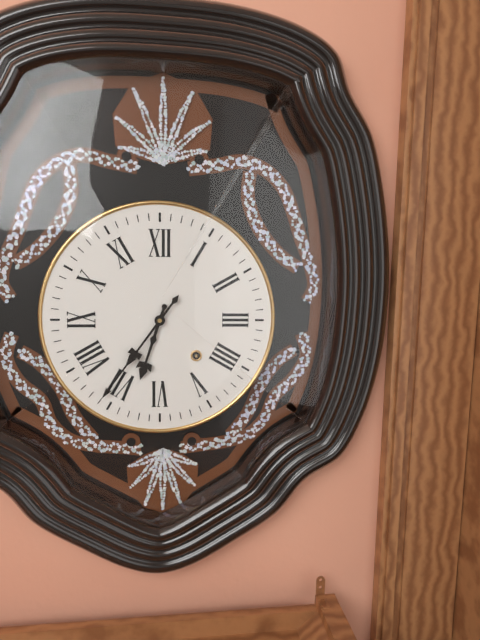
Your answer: 6,36
